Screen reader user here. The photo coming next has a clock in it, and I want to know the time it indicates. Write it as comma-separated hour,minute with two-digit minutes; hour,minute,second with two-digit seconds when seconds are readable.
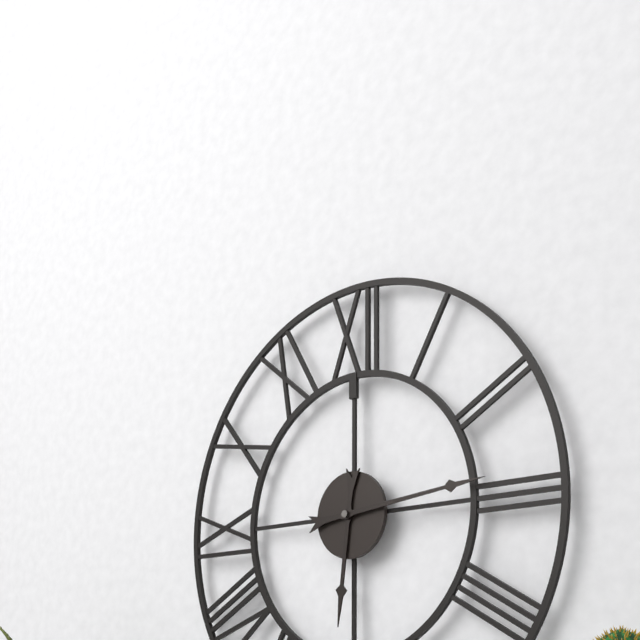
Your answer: 6,14
